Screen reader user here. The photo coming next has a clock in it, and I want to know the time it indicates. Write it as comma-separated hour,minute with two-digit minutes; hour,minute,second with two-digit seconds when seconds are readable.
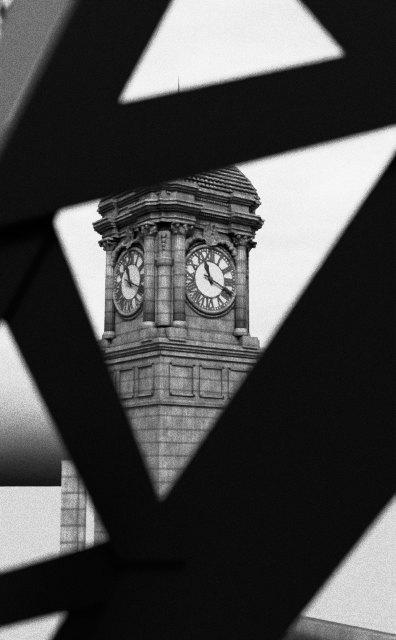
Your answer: 11,19
